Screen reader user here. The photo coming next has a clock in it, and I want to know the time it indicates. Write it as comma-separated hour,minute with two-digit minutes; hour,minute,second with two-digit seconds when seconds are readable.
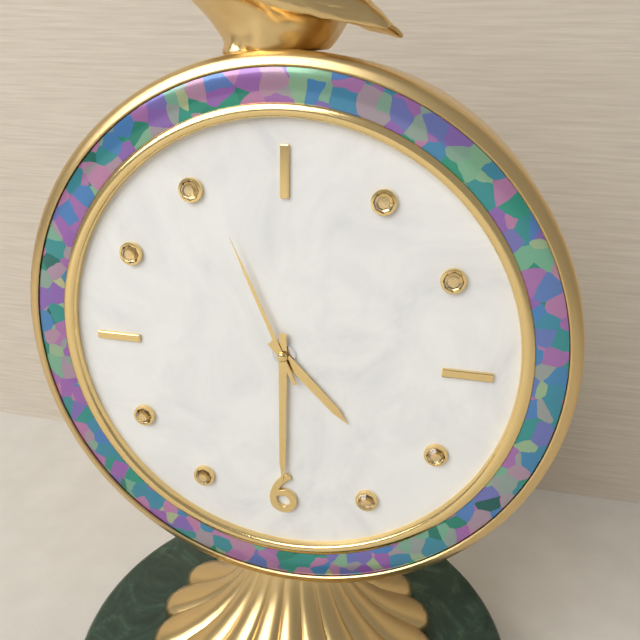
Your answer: 4,30,56
